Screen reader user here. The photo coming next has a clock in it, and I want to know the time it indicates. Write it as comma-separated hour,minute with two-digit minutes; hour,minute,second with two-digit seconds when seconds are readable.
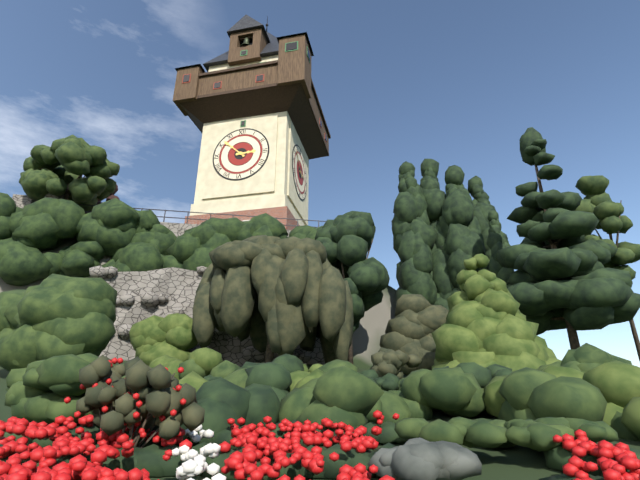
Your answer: 2,52
